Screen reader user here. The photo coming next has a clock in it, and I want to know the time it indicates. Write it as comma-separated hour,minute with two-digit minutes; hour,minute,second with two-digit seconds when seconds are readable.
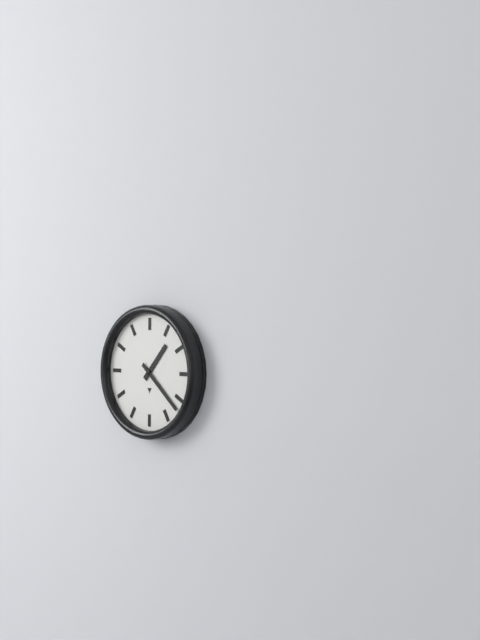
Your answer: 1,22
